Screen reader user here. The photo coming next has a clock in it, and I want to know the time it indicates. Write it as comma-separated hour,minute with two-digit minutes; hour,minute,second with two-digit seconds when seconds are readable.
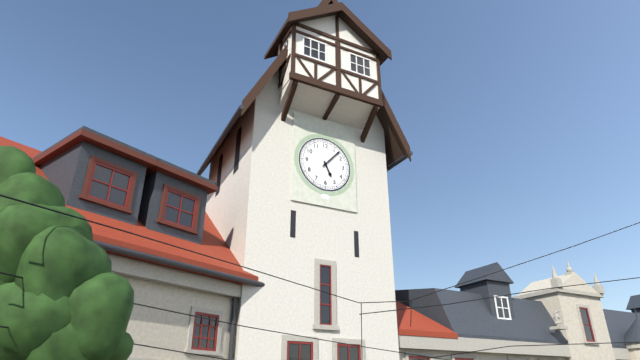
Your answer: 5,07
